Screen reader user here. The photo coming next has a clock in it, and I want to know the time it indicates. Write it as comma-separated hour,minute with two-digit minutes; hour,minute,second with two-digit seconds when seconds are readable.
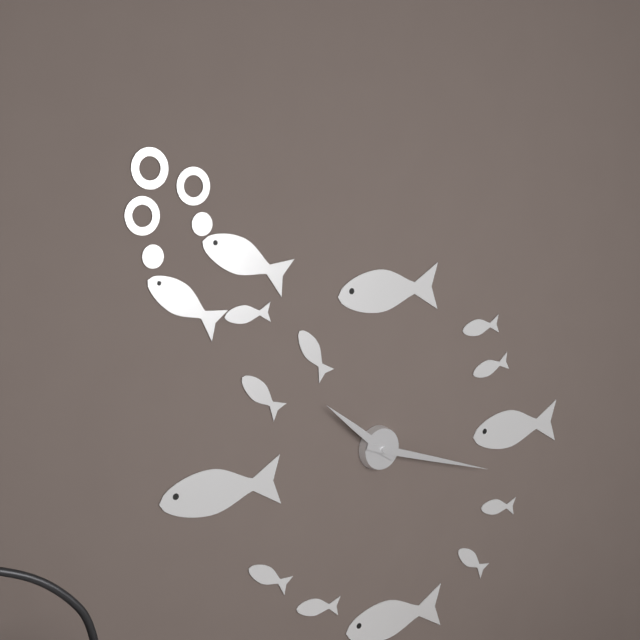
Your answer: 10,18
